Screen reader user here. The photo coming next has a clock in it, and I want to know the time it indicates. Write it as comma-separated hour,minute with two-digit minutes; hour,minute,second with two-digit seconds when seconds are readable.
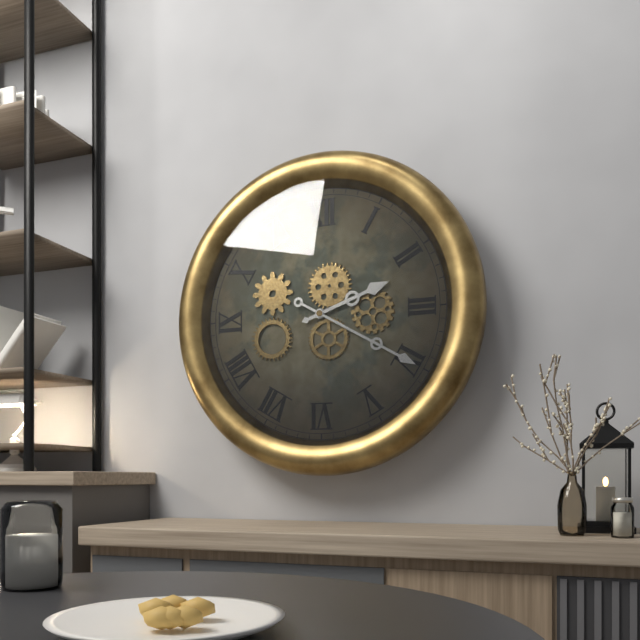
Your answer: 2,20
